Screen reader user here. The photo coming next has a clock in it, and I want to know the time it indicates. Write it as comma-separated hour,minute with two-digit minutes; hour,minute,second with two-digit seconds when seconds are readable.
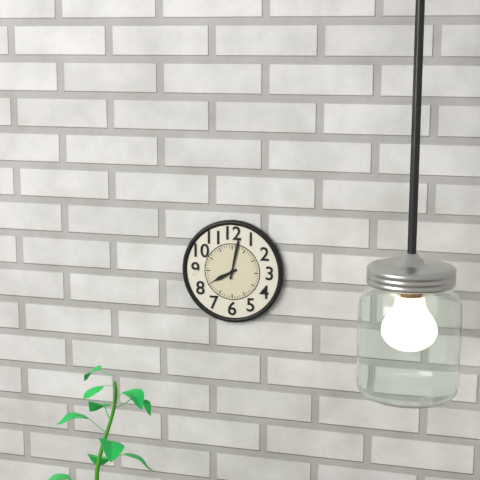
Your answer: 8,02
